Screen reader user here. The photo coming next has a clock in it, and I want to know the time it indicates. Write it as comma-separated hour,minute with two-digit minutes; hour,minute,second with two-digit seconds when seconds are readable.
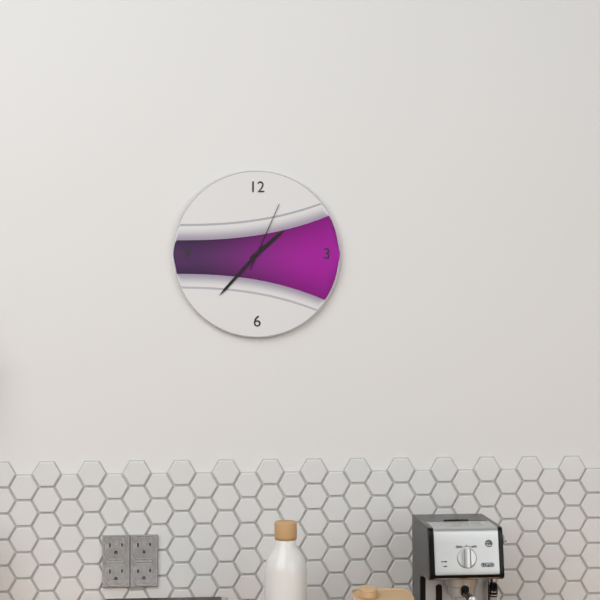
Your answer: 1,37,04
